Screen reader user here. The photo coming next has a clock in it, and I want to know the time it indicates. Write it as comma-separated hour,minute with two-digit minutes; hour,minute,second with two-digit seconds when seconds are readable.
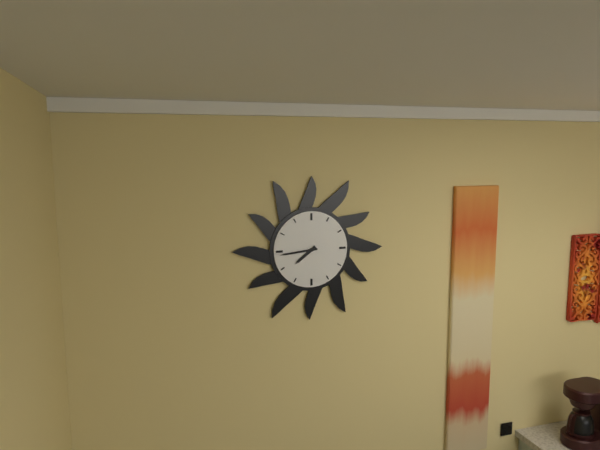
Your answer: 7,44
